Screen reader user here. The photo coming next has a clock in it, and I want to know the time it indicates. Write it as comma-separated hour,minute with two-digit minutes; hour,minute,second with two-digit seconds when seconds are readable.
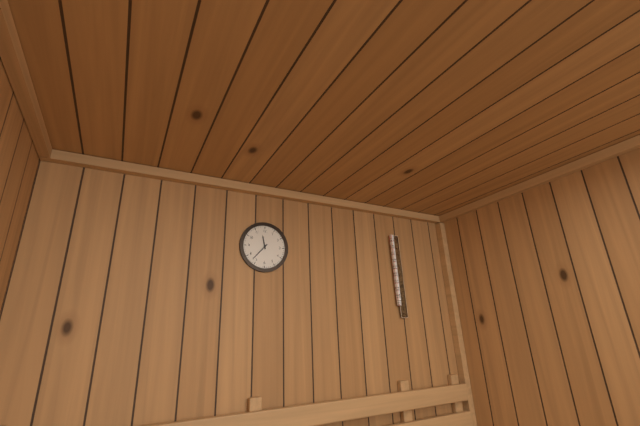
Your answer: 11,37
